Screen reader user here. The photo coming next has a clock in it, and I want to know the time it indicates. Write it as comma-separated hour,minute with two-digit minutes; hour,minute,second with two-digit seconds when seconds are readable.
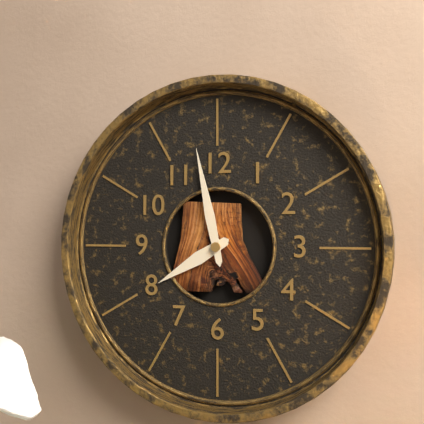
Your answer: 7,58
